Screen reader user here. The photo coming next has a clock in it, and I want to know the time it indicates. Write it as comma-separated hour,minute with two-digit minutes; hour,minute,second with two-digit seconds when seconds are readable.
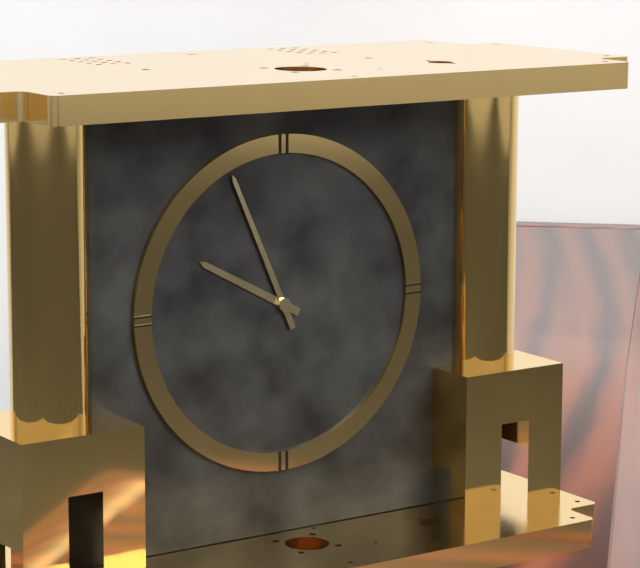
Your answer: 9,56
